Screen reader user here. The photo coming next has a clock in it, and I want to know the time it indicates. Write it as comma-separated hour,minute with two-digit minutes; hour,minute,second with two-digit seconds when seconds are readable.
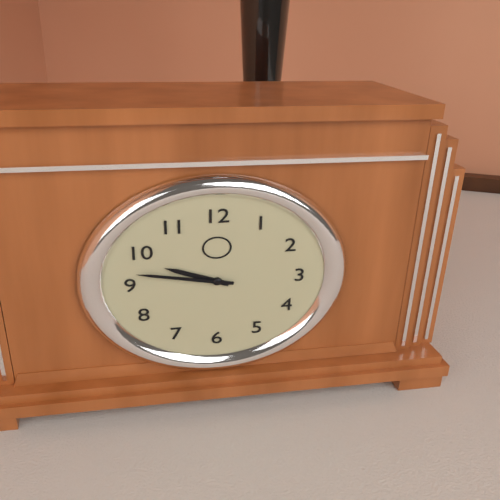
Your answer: 9,47
